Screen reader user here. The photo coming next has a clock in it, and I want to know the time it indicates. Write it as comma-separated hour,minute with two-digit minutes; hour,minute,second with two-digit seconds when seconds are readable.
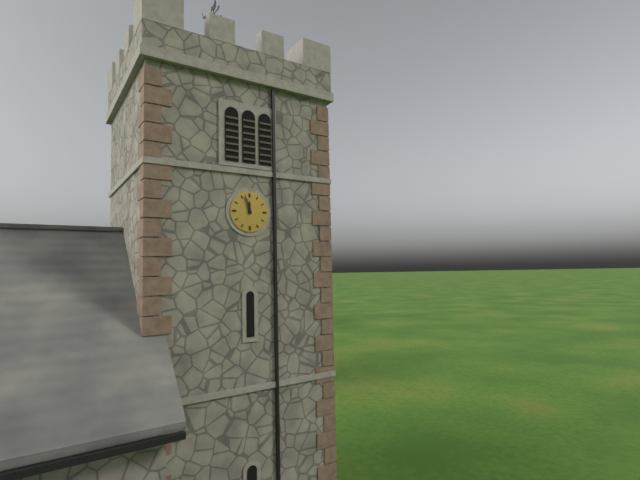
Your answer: 11,57
